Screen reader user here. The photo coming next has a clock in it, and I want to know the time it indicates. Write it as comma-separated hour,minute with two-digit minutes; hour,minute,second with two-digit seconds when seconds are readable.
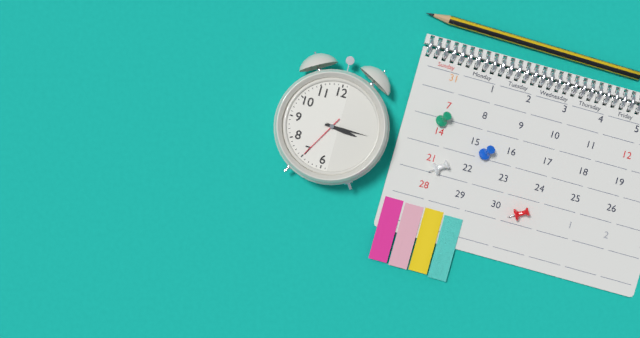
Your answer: 3,15
